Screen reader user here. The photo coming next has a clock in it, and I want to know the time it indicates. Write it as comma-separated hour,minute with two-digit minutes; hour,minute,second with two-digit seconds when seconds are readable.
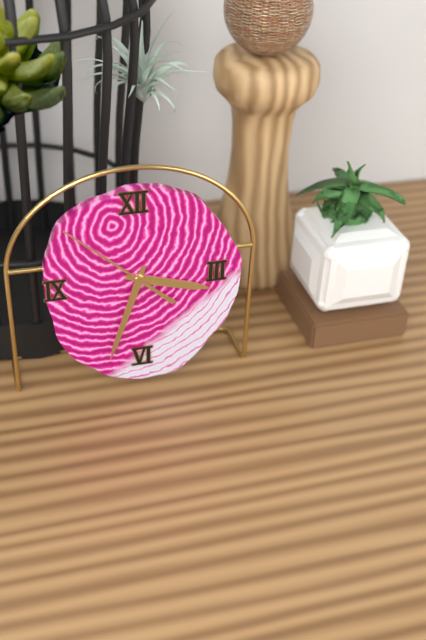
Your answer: 3,33,52
